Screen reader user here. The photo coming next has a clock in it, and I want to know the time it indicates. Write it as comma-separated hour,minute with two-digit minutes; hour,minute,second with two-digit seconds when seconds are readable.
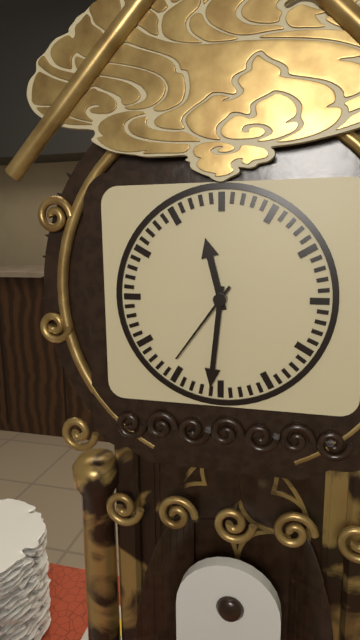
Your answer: 11,31,36
